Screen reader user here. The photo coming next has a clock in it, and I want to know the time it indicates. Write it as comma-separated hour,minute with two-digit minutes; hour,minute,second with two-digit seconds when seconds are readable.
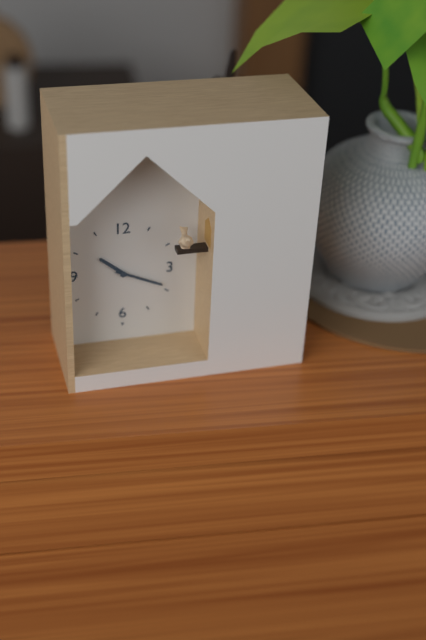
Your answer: 10,19
